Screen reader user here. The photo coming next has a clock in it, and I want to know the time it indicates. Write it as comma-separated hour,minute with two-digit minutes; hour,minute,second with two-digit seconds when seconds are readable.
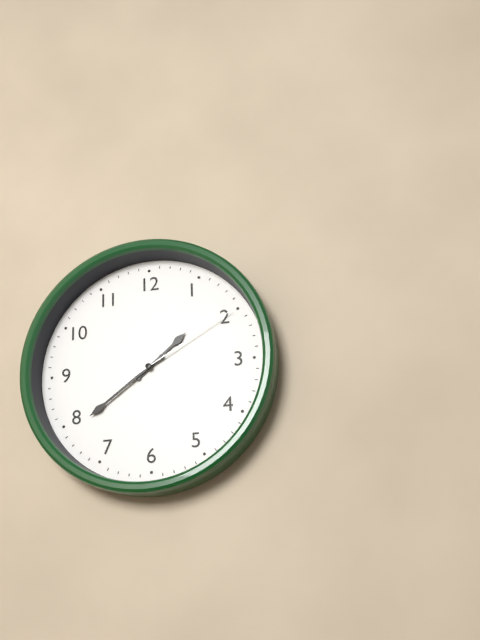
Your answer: 1,39,10
